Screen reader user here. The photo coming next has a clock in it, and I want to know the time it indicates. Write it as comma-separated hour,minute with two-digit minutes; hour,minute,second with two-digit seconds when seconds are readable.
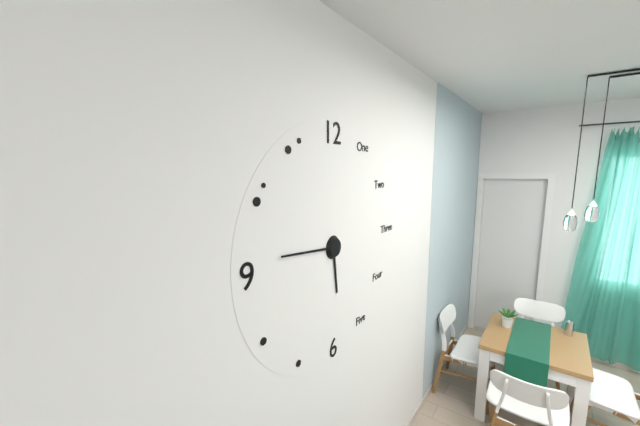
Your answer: 5,46
